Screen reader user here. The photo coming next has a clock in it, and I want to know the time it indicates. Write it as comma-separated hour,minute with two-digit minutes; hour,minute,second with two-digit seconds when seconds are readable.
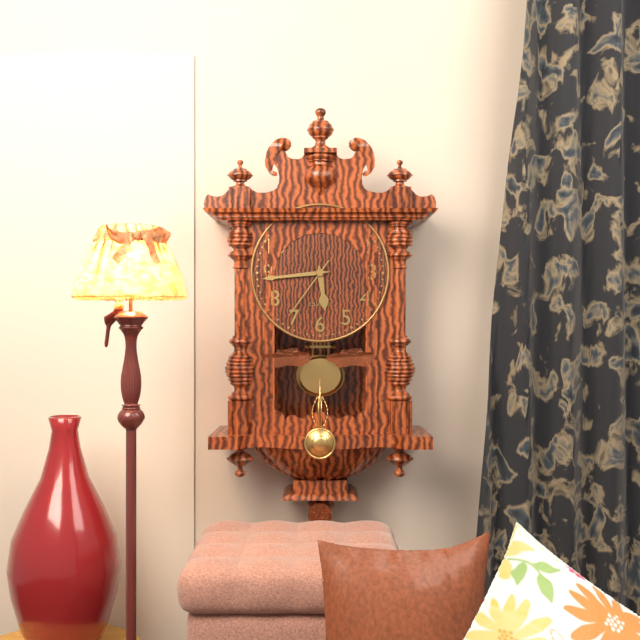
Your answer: 5,44,36
